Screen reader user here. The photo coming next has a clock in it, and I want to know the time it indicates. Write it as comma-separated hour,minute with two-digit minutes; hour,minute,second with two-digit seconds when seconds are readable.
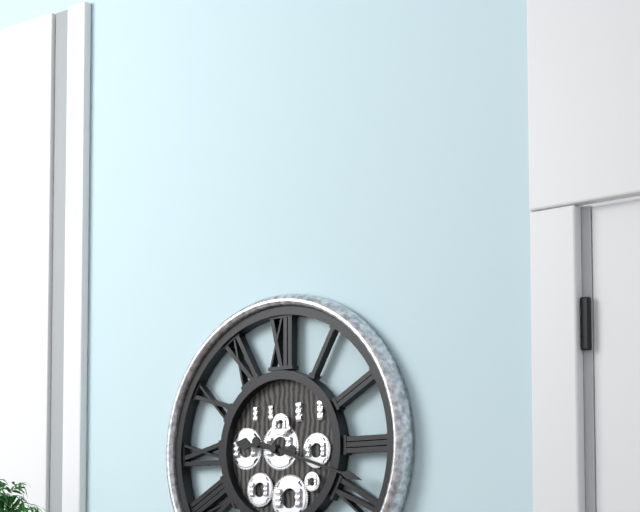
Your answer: 9,18
